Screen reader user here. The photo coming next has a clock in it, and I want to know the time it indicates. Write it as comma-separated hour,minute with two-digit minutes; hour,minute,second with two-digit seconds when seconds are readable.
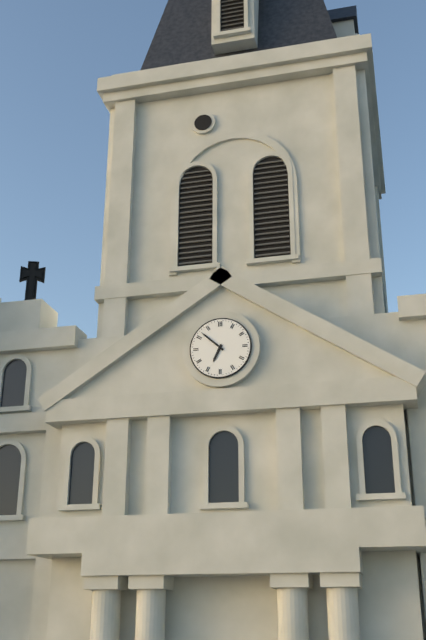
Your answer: 6,52
